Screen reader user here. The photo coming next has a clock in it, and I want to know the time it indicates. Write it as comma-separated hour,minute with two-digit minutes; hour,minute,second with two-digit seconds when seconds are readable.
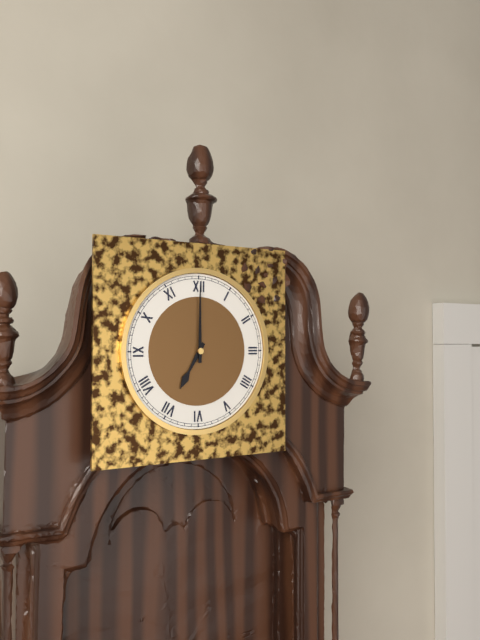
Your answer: 7,00
